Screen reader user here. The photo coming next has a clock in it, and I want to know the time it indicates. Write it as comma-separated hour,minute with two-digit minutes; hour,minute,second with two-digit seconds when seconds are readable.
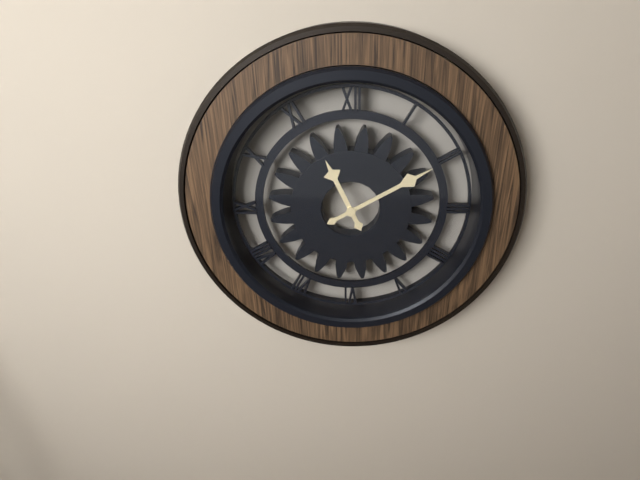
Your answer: 11,10
